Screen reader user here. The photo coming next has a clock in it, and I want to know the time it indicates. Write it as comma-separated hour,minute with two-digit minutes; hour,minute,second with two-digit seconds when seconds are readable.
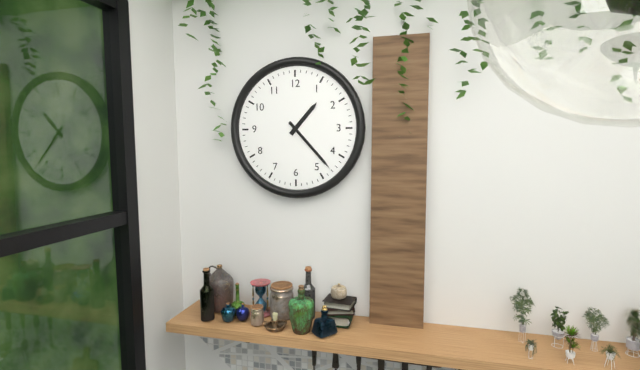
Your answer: 1,23
